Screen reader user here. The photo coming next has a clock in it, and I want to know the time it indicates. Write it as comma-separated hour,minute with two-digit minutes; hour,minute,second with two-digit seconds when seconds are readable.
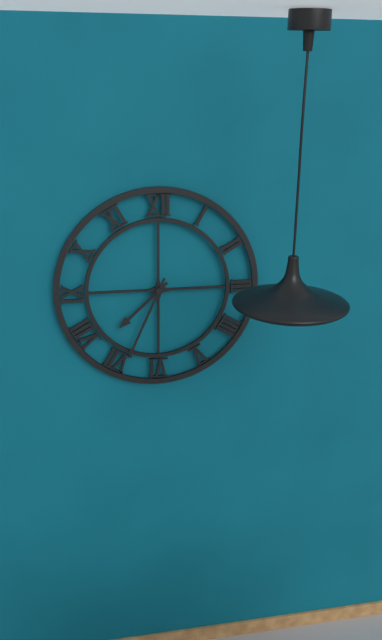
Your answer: 7,34
